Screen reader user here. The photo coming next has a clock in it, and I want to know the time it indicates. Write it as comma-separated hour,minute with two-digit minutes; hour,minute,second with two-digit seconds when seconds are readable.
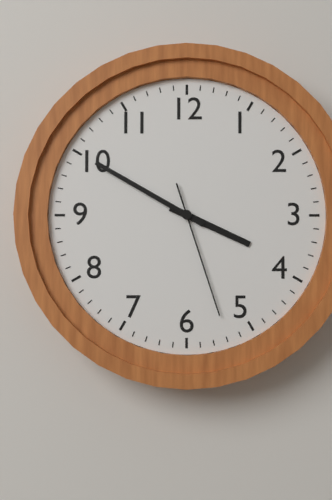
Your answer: 3,50,27
